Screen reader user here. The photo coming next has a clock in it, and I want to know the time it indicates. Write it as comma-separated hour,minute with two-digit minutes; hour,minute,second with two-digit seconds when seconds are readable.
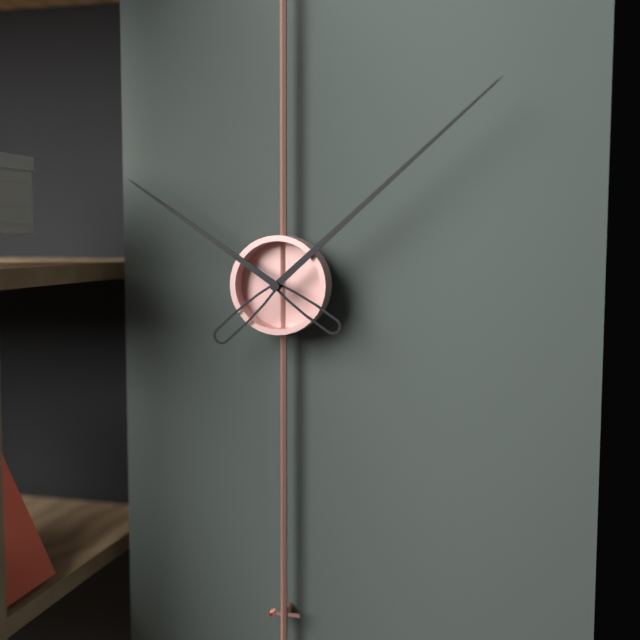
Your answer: 10,08
